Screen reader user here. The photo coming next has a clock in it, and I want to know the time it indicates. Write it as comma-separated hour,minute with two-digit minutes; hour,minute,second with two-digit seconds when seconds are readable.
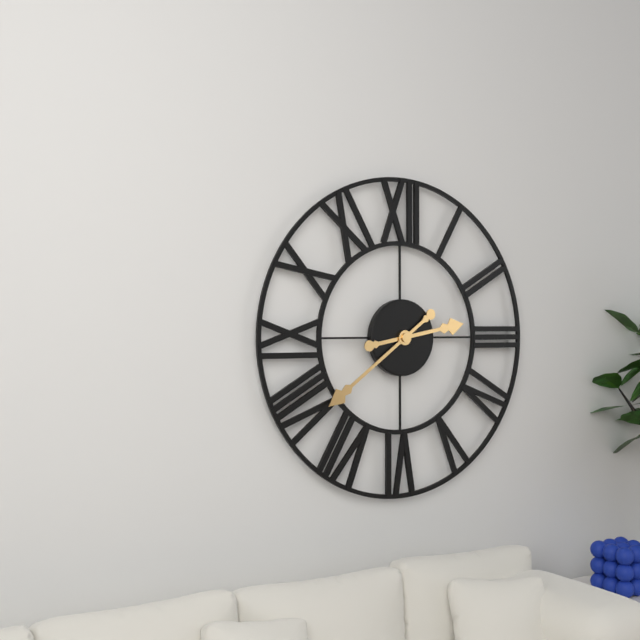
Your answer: 2,39
